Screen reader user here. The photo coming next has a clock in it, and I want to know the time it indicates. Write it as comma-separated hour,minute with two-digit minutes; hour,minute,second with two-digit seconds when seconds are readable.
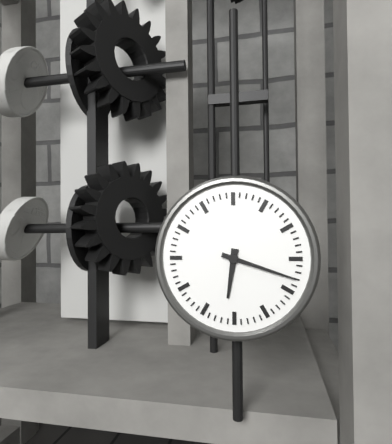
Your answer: 6,18
